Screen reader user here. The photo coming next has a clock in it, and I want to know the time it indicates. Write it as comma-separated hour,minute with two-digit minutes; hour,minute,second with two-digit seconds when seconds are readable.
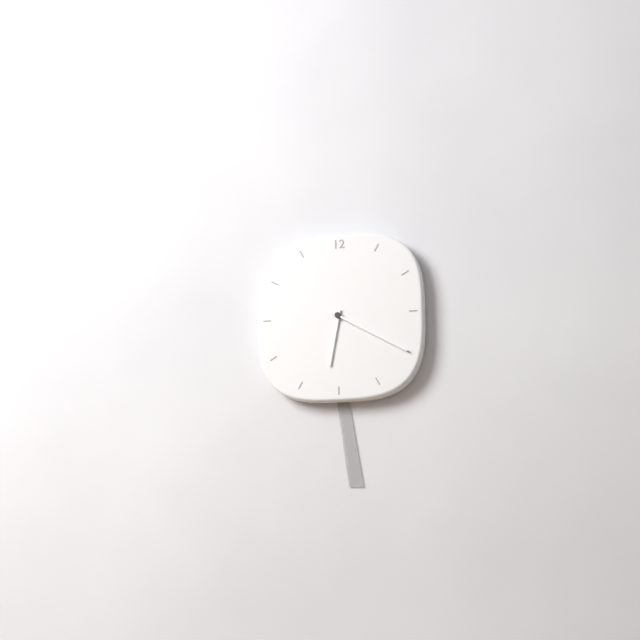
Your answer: 6,20
